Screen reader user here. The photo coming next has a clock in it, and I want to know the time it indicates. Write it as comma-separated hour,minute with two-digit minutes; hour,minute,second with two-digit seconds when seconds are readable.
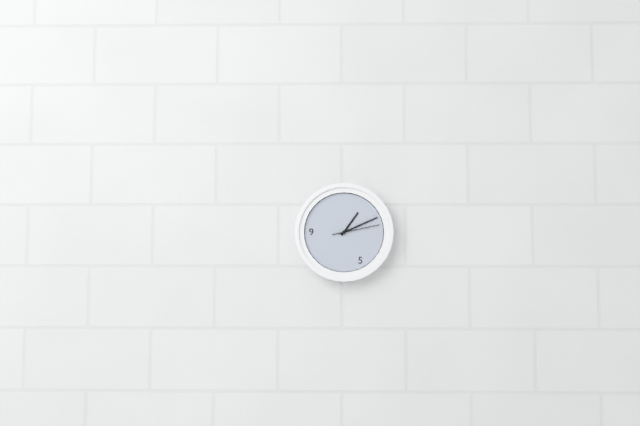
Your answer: 1,11
